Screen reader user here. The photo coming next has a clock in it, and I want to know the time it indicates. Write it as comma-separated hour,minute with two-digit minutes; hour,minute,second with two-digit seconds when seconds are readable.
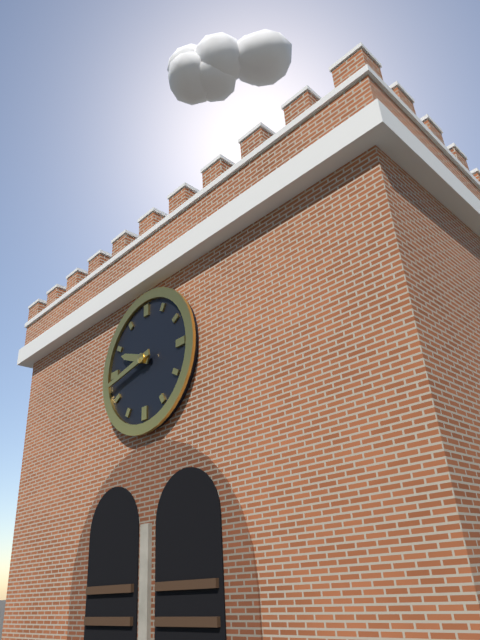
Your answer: 9,43
